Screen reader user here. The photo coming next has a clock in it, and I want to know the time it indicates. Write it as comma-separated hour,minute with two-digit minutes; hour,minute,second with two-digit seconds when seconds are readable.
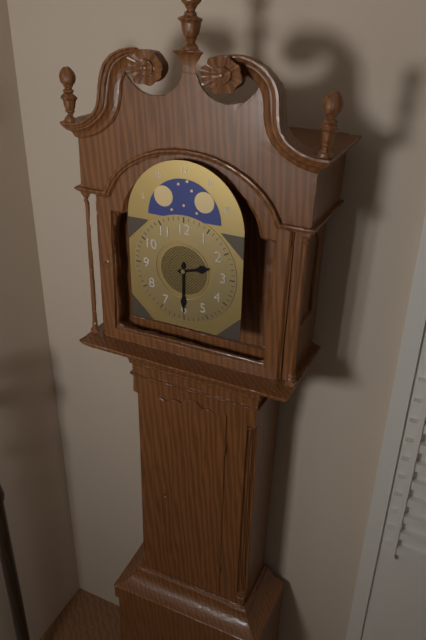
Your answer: 2,30
